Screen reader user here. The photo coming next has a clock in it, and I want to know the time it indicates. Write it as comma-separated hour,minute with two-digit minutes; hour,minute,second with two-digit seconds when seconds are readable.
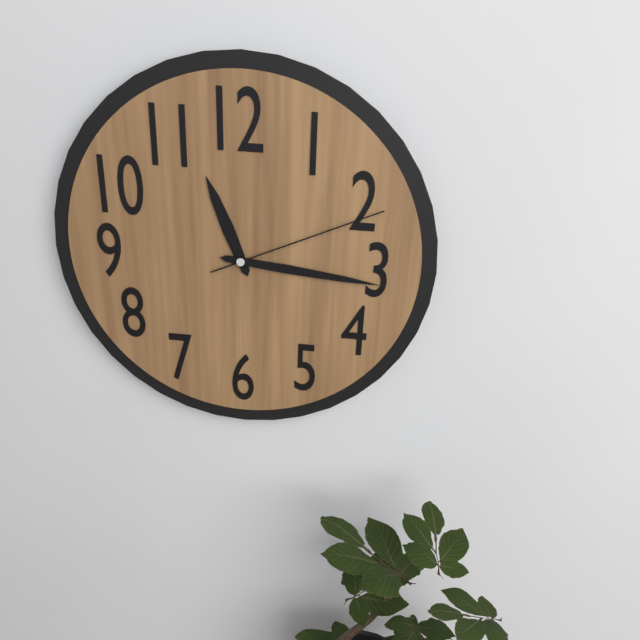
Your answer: 11,16,11
